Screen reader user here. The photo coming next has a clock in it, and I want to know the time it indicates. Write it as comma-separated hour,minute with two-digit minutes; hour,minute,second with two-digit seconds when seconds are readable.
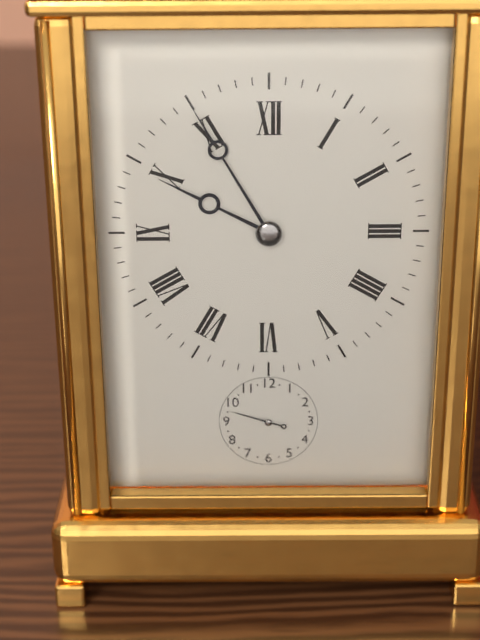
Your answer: 9,55
